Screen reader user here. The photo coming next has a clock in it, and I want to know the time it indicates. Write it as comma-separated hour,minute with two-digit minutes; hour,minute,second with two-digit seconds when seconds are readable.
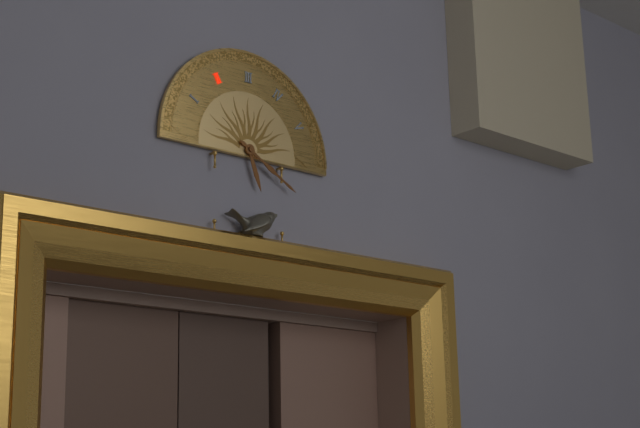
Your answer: 5,20
